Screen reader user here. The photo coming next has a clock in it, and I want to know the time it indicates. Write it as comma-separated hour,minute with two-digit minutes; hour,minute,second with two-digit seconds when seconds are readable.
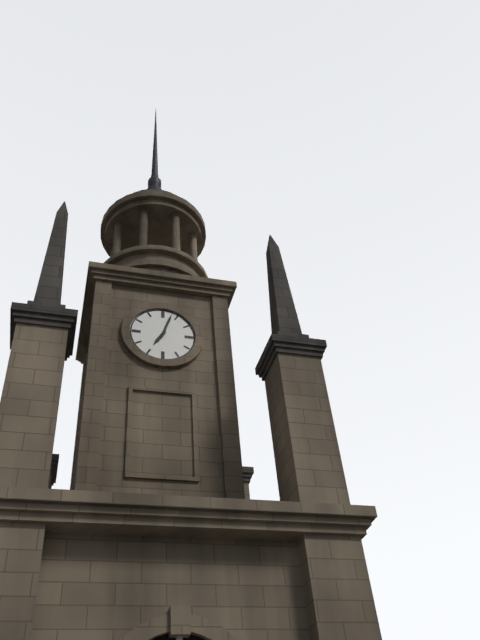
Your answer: 7,03
